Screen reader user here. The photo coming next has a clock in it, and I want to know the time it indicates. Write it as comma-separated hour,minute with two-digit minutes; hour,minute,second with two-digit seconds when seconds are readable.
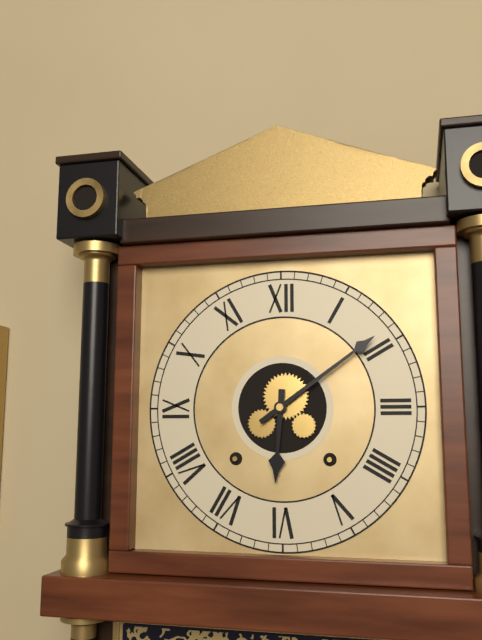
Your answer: 6,09
